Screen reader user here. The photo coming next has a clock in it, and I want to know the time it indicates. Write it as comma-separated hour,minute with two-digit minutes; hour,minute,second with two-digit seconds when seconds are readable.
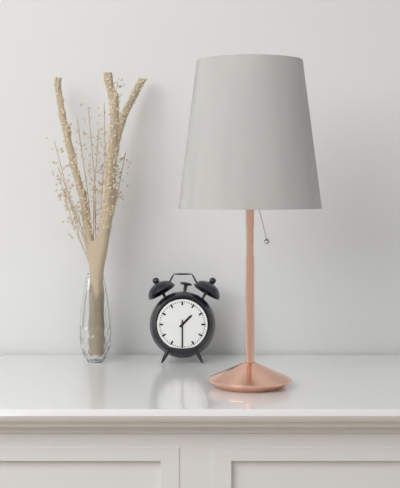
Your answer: 1,30
